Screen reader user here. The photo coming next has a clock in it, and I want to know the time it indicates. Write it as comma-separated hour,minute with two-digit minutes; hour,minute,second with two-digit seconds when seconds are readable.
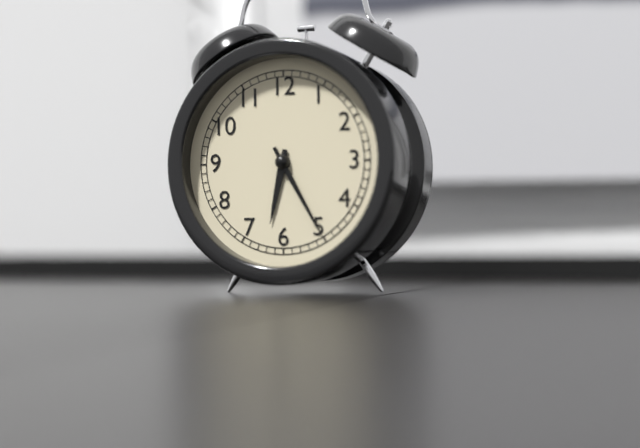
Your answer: 6,25
